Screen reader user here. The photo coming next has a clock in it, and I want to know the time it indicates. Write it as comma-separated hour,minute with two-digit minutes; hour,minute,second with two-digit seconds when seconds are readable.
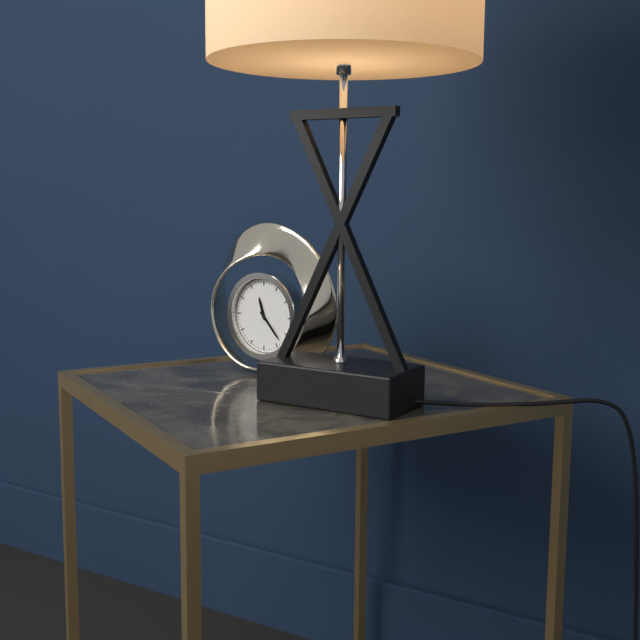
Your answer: 11,23
